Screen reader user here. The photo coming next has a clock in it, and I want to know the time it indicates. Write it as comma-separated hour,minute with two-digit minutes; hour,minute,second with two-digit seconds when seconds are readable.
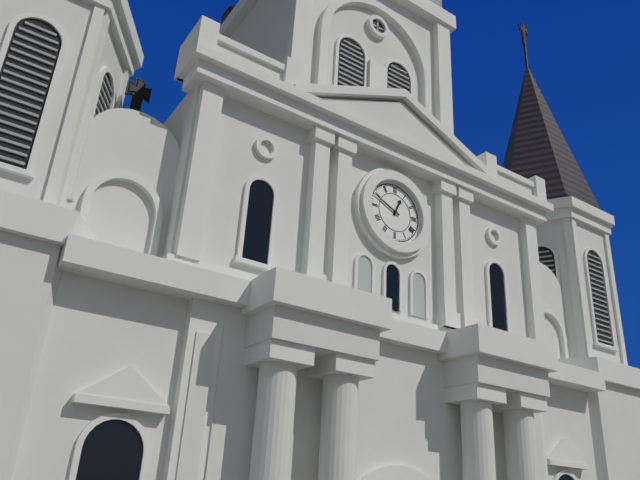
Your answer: 12,49
